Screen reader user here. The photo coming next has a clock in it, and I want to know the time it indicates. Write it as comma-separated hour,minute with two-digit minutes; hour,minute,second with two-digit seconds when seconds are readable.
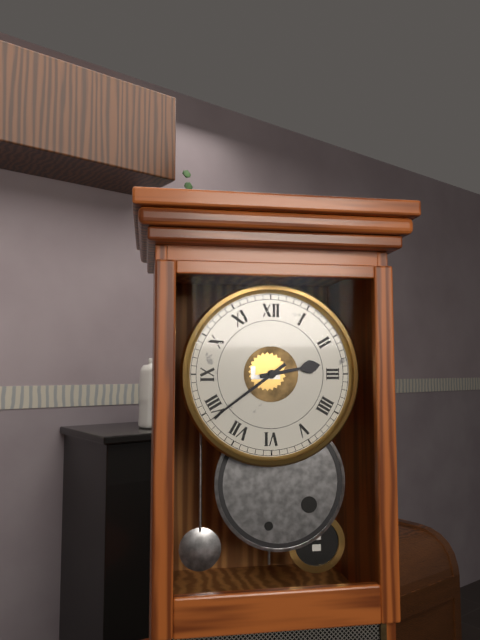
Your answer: 2,39
